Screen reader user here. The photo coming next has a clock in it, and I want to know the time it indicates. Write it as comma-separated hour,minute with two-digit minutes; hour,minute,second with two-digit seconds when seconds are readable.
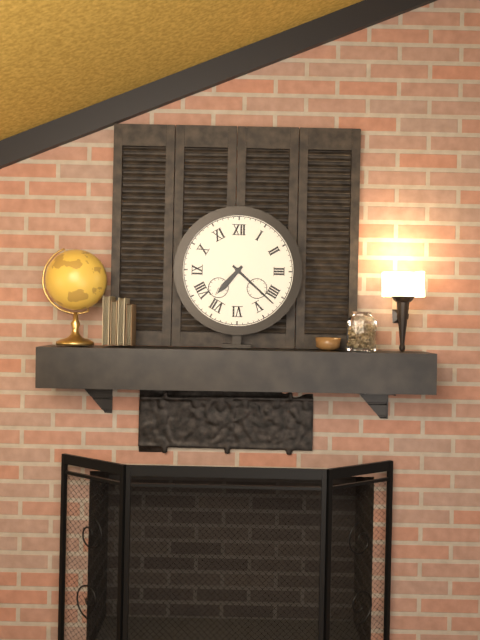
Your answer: 7,22
